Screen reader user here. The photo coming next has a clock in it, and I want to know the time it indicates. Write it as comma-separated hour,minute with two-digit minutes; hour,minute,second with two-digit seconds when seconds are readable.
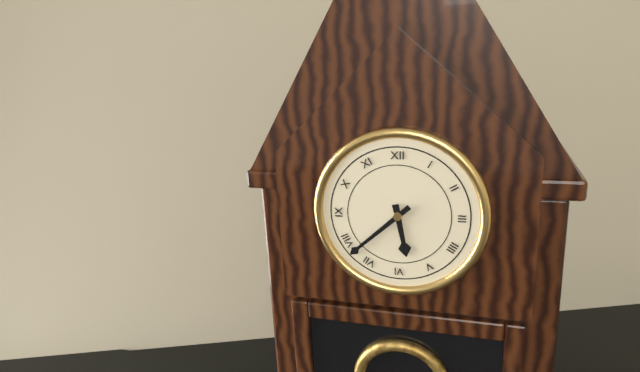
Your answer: 5,38
